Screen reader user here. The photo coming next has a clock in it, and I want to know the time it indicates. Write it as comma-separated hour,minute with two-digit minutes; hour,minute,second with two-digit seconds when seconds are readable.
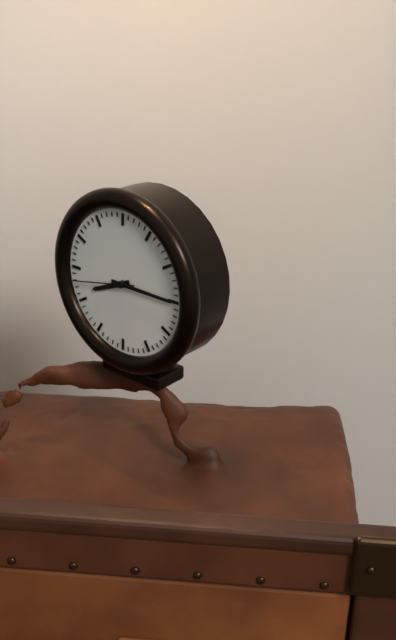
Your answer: 8,15,43
